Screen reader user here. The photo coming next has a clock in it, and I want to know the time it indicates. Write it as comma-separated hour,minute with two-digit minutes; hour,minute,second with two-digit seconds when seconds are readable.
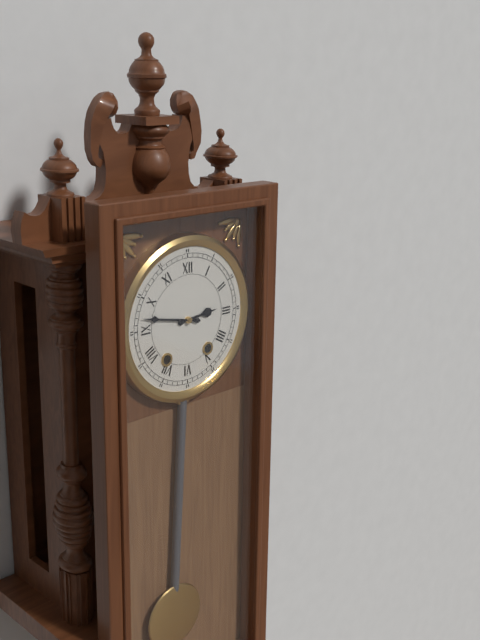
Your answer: 2,47
